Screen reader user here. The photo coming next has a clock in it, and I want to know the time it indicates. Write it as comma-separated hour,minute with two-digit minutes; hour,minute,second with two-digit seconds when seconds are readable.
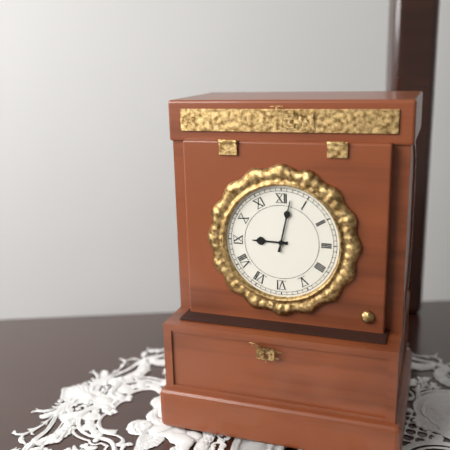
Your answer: 9,02
